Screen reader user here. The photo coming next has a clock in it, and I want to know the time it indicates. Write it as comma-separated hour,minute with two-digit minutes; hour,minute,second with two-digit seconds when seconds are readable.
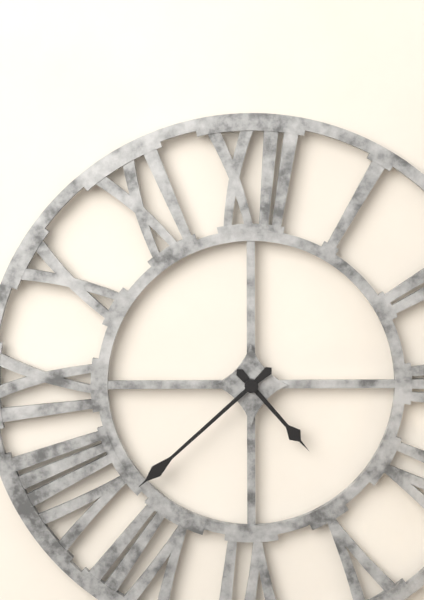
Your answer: 4,38
